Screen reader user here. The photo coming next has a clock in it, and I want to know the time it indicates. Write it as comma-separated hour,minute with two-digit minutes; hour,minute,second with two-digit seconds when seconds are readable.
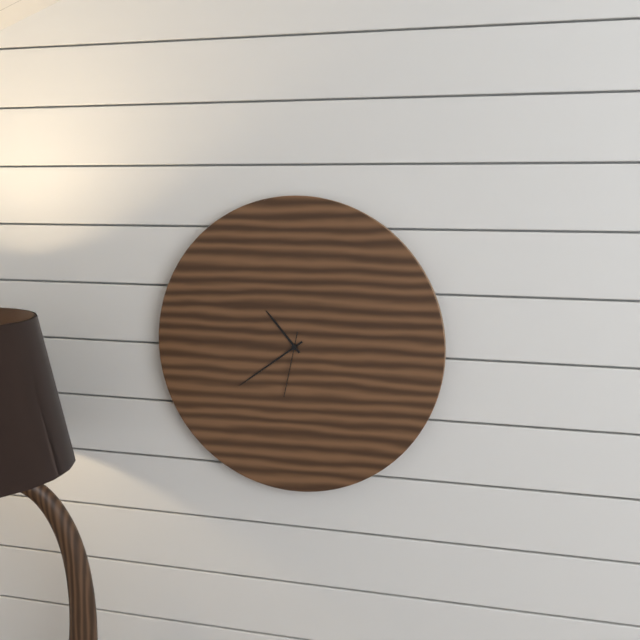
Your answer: 10,39,32
